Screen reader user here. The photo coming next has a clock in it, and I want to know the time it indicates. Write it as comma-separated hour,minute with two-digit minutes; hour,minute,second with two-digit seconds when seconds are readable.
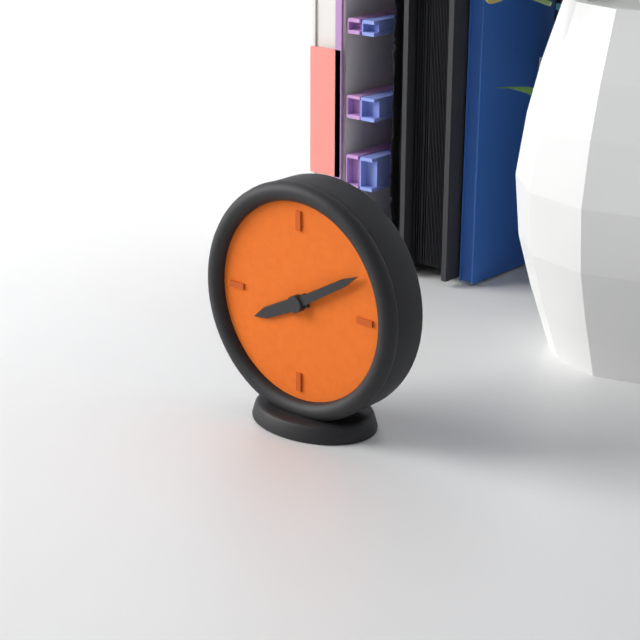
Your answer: 8,10
